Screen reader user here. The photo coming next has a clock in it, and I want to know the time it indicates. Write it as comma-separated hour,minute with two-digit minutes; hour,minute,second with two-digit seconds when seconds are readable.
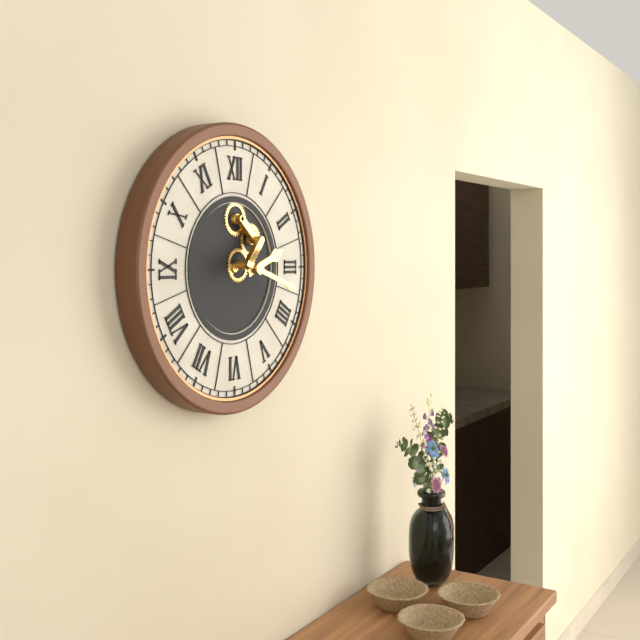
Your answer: 2,18
